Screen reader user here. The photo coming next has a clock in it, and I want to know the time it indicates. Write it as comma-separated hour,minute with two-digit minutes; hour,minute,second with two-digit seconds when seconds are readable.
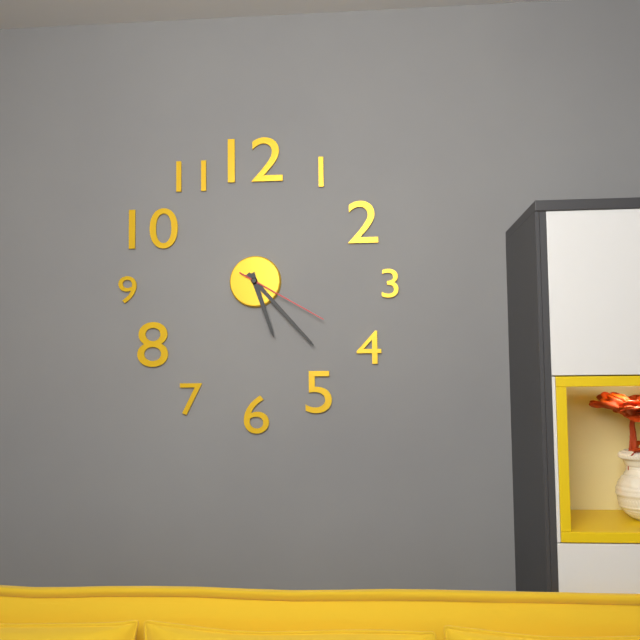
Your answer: 5,23,20
